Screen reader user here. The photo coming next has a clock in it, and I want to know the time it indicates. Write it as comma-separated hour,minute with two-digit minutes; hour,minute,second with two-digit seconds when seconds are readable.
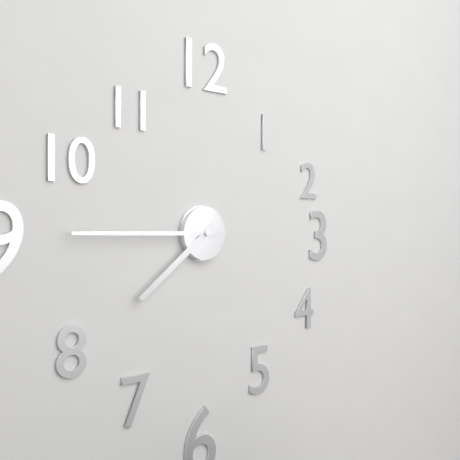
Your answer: 7,45
